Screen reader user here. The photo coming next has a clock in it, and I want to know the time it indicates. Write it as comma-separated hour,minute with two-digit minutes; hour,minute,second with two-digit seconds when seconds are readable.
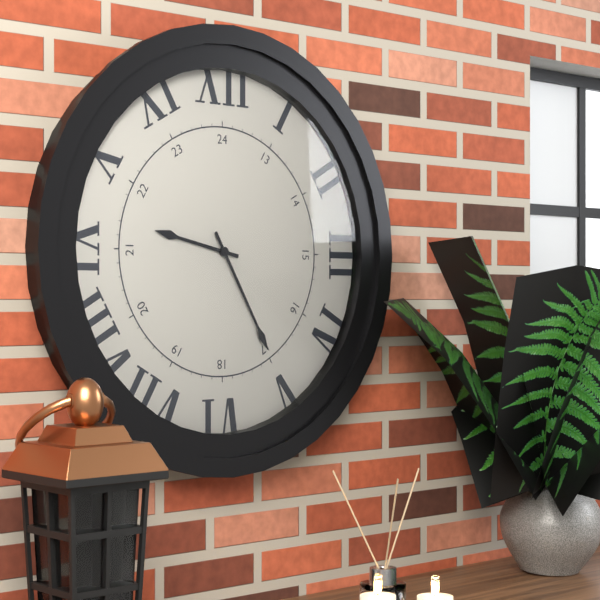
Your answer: 9,25
